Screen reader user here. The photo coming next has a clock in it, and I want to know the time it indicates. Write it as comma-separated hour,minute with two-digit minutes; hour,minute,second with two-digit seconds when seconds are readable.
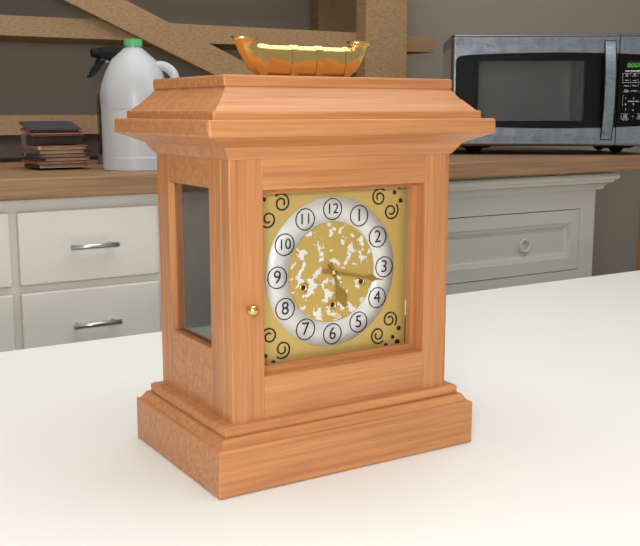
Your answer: 5,17
